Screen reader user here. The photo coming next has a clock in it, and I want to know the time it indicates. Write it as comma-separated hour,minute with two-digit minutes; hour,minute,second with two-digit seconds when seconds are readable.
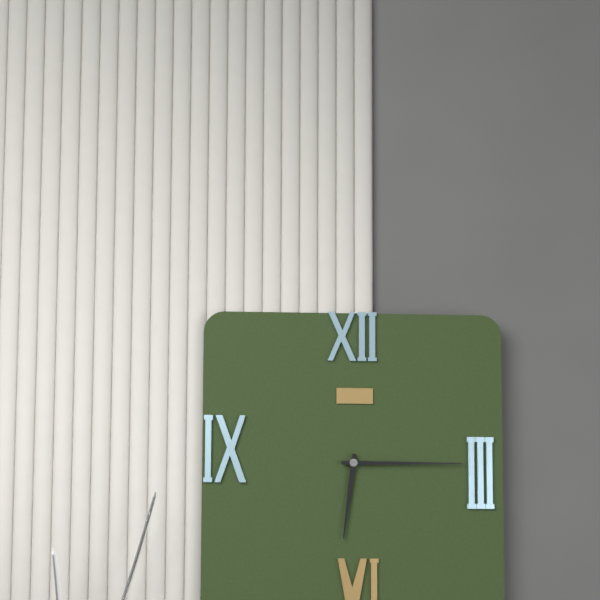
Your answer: 6,15
